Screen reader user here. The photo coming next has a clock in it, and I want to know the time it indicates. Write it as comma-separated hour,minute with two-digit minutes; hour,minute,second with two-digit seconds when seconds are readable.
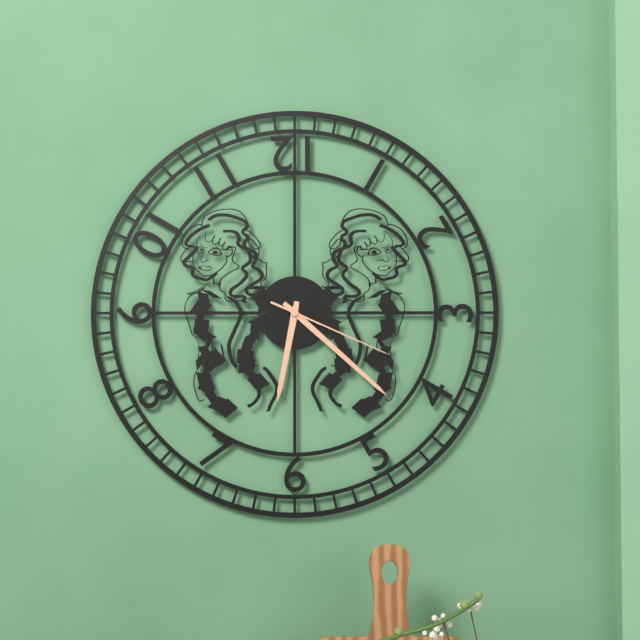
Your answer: 6,22,19
